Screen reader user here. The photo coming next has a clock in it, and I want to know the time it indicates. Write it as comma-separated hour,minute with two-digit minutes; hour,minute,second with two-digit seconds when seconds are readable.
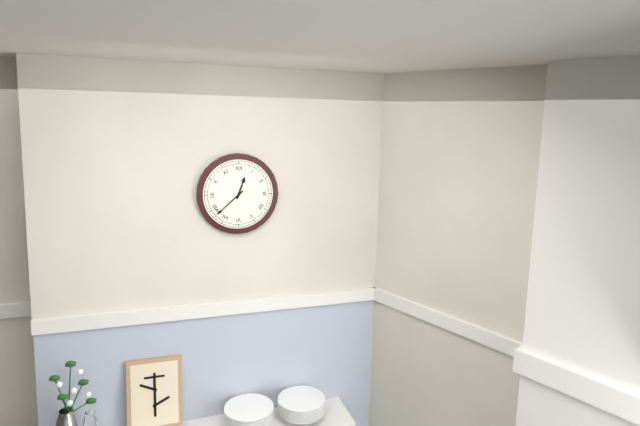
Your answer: 12,38
